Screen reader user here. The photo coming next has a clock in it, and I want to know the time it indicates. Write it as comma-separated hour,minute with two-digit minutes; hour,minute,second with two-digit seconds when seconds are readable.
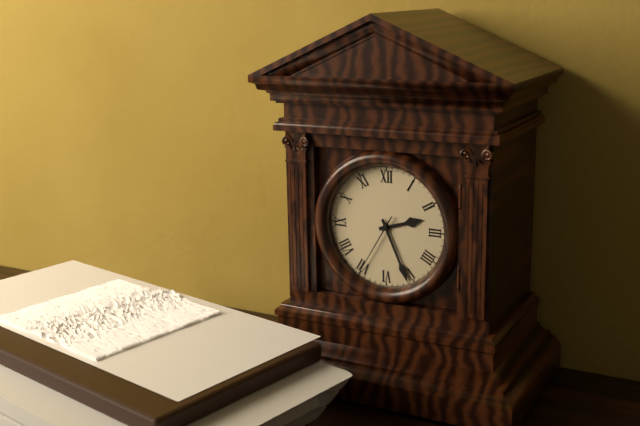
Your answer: 2,26,35
